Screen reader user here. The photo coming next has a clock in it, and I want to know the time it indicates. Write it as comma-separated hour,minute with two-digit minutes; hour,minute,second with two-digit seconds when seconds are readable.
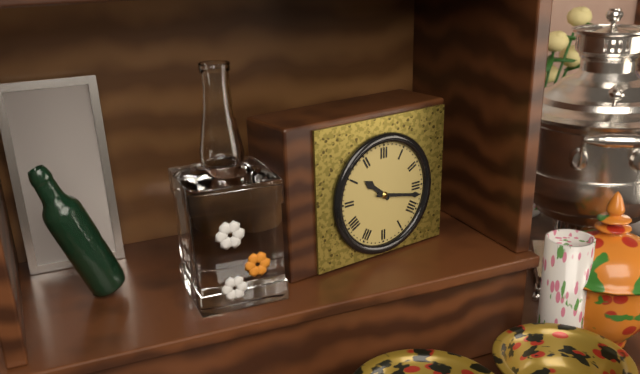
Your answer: 10,17
